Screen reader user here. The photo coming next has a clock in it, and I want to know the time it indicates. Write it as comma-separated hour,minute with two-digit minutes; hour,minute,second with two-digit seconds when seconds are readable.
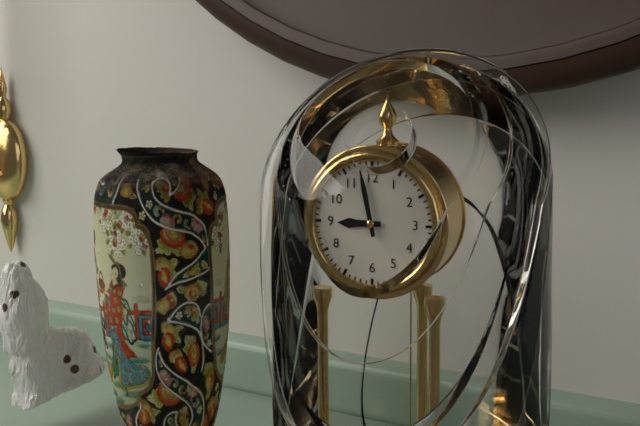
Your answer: 8,58
